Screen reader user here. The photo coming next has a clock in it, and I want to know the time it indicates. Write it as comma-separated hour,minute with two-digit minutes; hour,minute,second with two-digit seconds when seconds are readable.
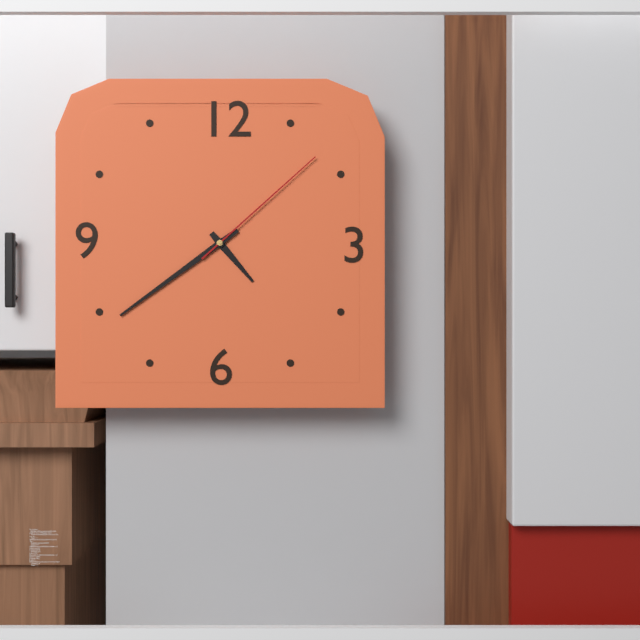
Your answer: 4,39,08
